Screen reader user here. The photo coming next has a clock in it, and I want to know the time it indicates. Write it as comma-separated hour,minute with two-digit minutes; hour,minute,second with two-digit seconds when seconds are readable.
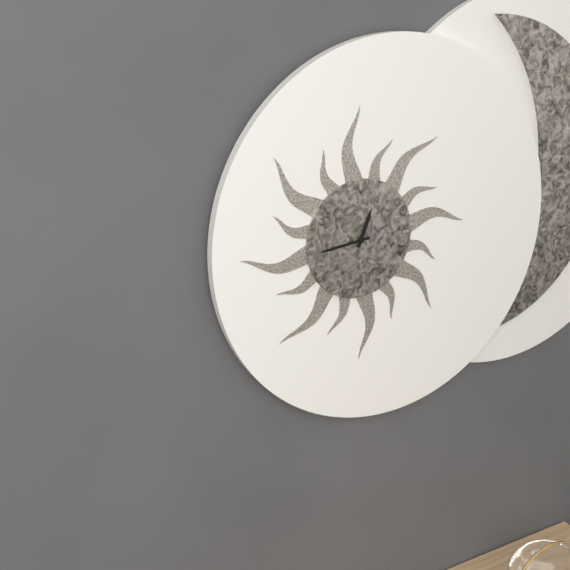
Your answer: 12,44
